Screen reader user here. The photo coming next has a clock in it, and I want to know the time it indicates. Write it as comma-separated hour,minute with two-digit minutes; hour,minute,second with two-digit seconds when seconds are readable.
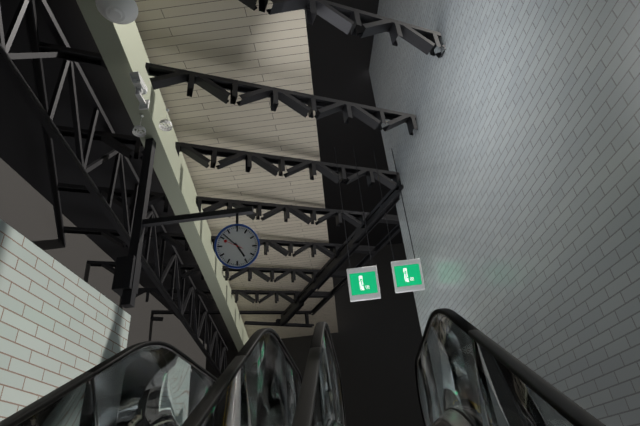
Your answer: 4,52
